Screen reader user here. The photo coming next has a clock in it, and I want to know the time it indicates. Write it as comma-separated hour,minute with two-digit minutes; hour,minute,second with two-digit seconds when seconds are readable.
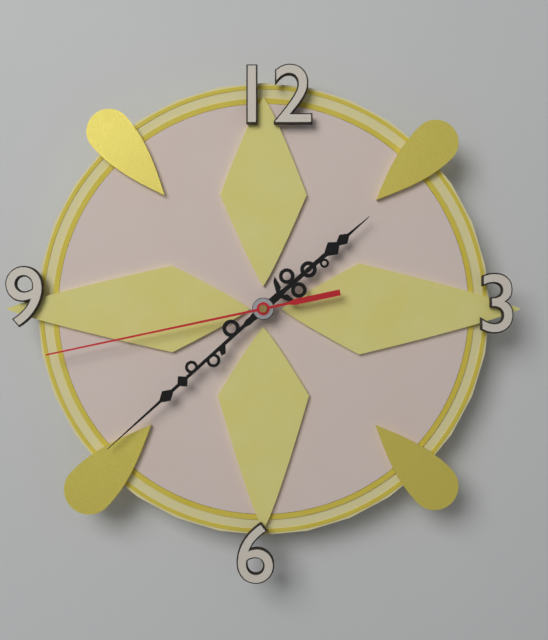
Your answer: 1,38,43
